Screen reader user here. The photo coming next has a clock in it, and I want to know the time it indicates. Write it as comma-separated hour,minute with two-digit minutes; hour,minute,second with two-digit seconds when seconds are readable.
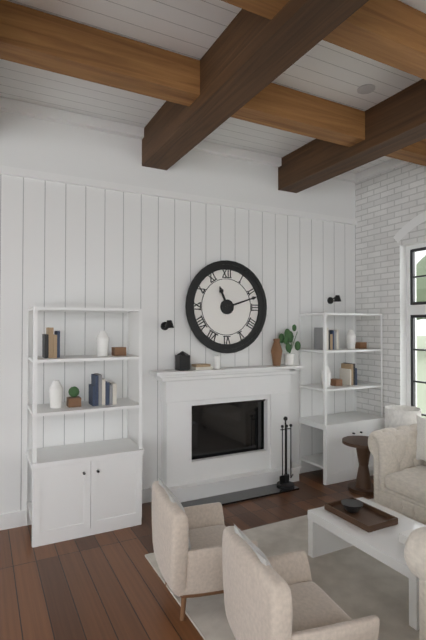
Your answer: 11,12
